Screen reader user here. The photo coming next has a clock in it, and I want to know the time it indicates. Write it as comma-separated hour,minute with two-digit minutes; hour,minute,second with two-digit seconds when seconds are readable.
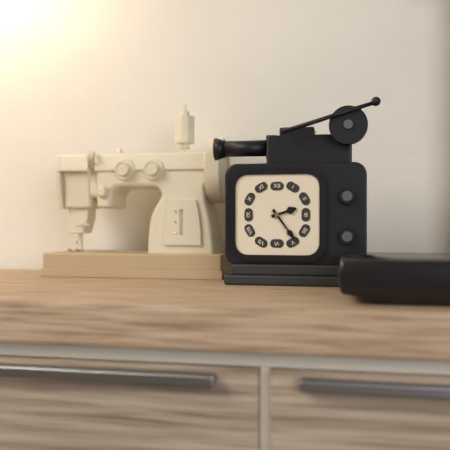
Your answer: 2,24
